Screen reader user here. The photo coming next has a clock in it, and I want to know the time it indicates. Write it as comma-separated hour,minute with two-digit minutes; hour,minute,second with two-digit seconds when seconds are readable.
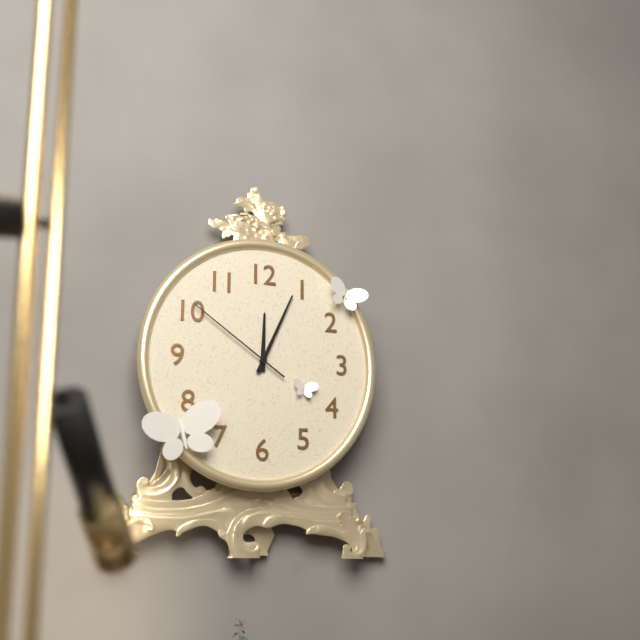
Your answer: 12,04,51
